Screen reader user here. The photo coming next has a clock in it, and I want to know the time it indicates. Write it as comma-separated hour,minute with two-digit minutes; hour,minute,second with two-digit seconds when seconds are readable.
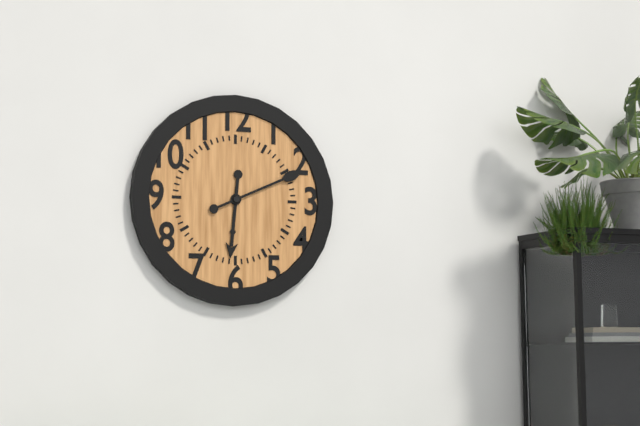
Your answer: 6,11
